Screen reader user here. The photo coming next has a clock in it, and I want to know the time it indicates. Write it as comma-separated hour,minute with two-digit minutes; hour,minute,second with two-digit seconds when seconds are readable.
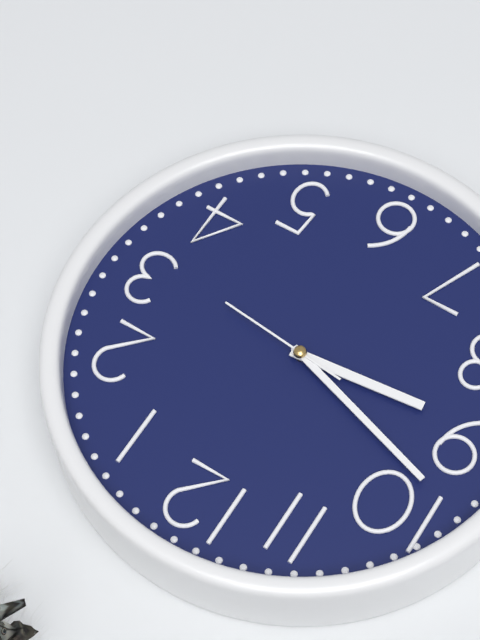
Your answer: 8,48,16
